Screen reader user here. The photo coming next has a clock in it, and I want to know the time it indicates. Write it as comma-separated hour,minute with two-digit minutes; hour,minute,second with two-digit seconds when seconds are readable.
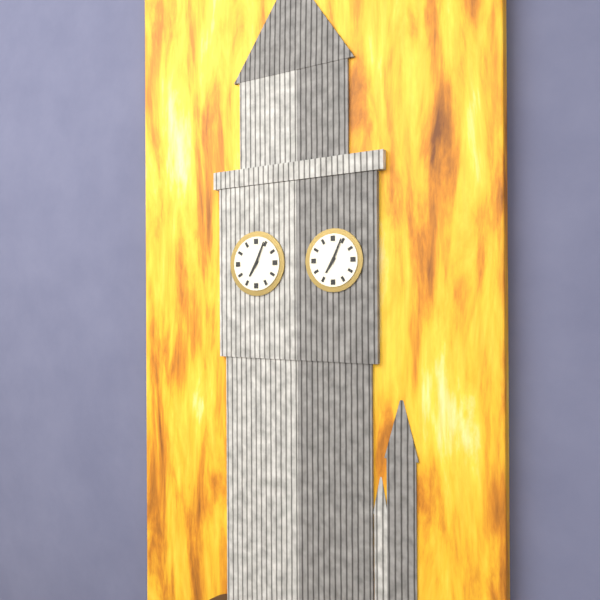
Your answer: 7,04
